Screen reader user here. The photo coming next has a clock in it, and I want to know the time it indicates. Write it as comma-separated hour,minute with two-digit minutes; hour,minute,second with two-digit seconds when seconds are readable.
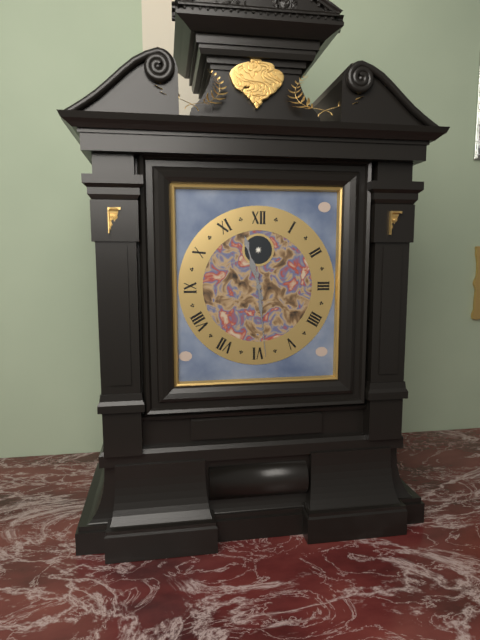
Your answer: 11,29
